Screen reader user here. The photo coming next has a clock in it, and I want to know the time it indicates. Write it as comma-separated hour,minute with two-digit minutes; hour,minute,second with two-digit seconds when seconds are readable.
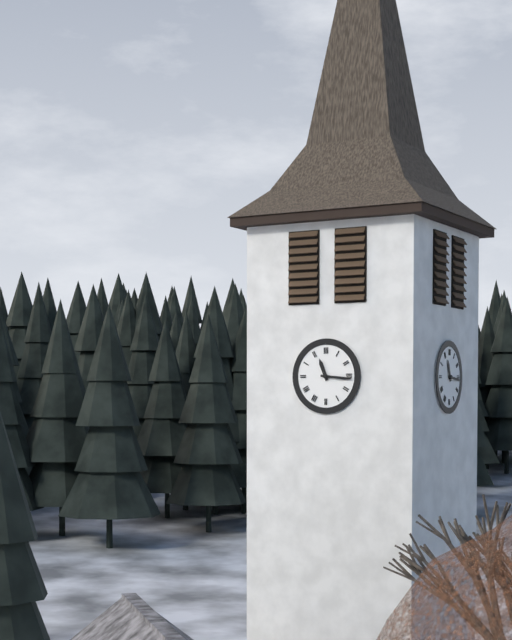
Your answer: 11,16
